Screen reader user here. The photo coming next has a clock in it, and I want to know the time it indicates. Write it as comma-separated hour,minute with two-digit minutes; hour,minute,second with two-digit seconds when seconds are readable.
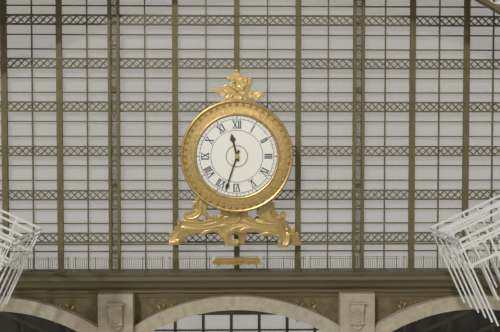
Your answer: 11,33
